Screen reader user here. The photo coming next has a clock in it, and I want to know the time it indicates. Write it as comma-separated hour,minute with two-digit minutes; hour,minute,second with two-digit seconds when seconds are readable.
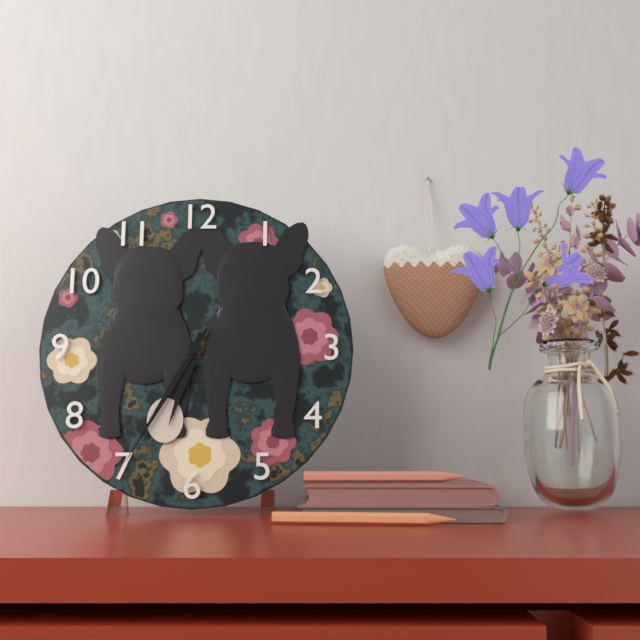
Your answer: 6,35
